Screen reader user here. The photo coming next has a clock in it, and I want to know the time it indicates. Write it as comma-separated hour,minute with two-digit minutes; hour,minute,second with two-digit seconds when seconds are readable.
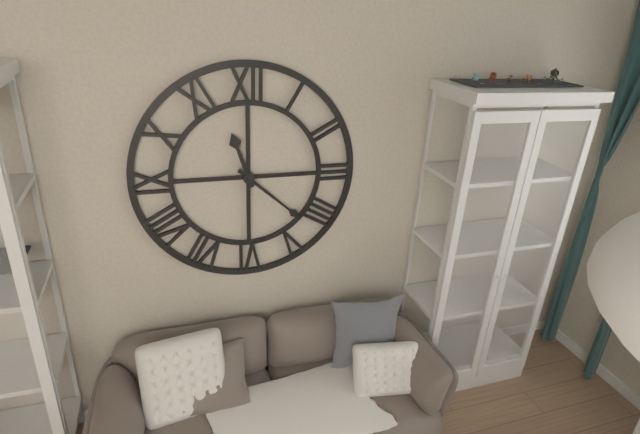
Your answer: 11,22
